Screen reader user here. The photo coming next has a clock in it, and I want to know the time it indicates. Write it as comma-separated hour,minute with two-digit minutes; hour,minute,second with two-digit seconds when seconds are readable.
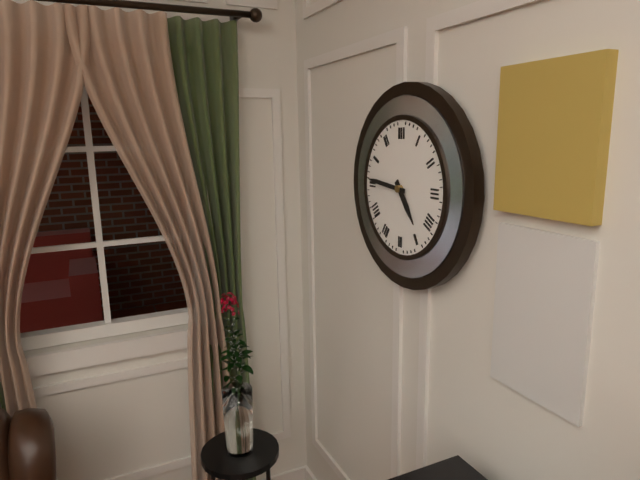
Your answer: 4,46
